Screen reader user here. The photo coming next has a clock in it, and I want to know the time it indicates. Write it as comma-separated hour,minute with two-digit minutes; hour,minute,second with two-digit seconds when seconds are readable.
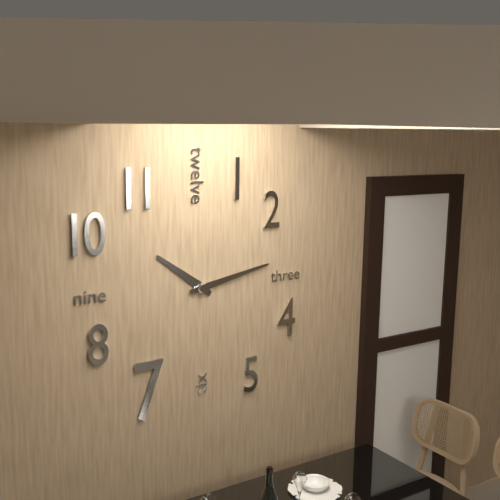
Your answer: 10,13
